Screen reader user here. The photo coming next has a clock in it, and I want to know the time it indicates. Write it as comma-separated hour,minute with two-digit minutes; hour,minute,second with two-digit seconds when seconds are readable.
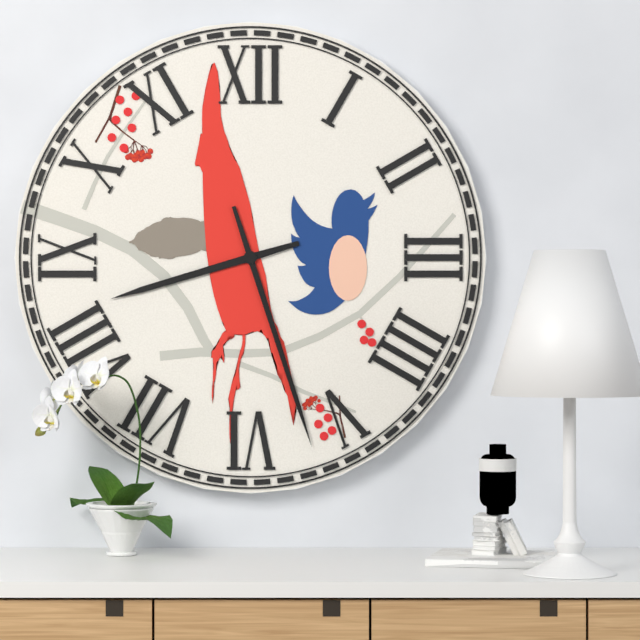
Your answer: 8,27
